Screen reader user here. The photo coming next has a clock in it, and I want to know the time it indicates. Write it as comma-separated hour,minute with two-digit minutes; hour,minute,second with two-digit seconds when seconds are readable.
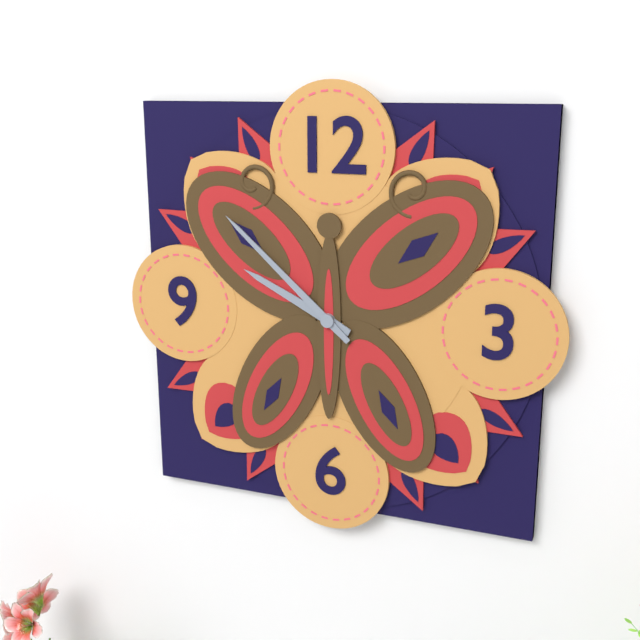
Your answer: 9,52
